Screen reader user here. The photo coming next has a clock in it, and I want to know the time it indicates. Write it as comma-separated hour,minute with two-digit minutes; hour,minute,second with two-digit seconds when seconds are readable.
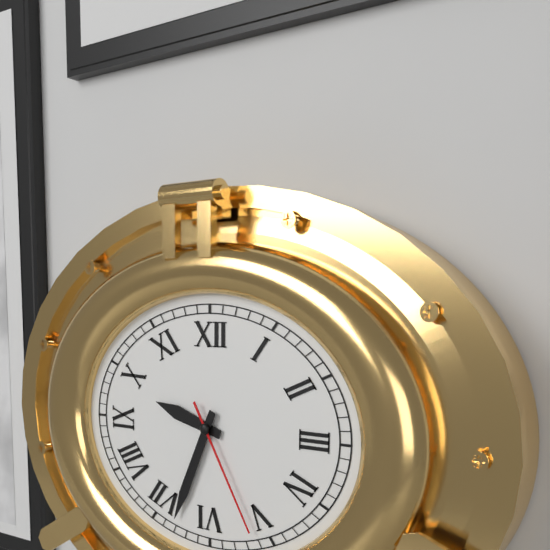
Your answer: 9,34,25
